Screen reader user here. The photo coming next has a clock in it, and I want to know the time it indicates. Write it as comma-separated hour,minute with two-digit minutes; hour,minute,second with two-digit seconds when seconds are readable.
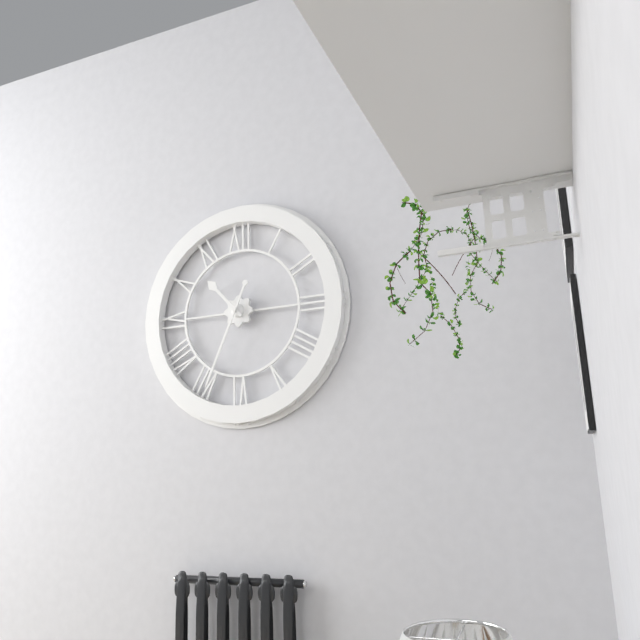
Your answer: 10,34
